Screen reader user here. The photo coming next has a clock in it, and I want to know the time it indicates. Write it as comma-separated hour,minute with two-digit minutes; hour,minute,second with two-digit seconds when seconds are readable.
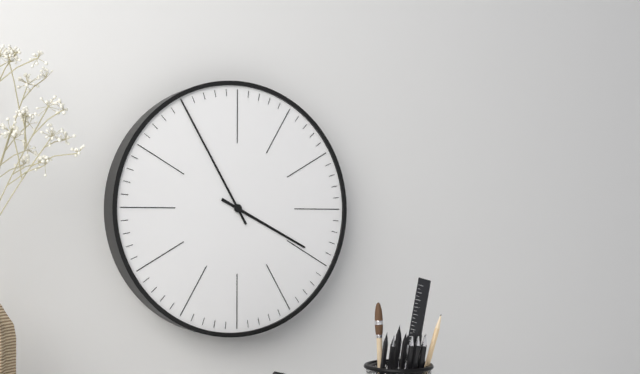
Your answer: 3,55
